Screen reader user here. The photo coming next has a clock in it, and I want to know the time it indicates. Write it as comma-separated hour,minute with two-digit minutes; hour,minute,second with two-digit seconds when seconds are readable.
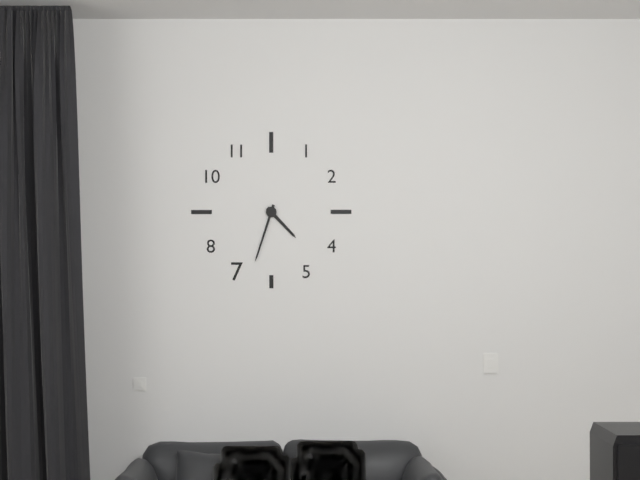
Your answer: 4,33
